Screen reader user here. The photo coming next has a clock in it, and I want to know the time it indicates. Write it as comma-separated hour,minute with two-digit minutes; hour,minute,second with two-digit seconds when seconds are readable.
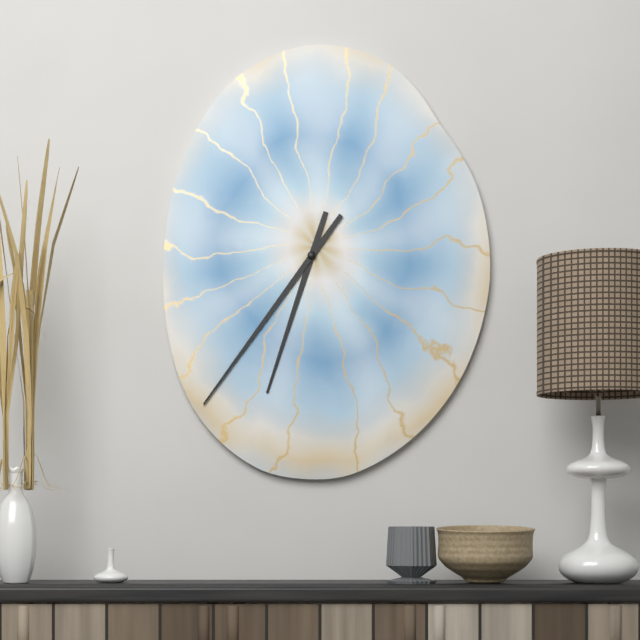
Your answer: 6,36
